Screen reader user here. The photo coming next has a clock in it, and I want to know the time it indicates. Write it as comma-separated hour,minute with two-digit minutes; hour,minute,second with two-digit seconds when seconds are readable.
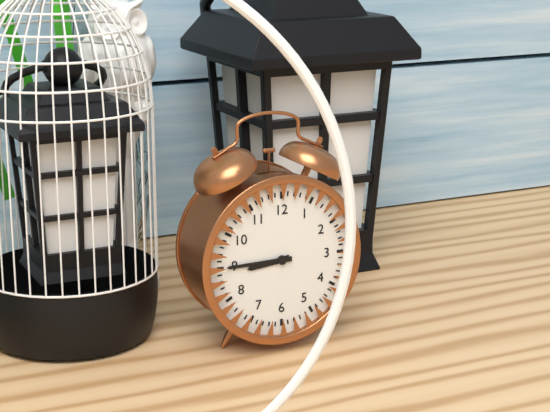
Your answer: 8,45
